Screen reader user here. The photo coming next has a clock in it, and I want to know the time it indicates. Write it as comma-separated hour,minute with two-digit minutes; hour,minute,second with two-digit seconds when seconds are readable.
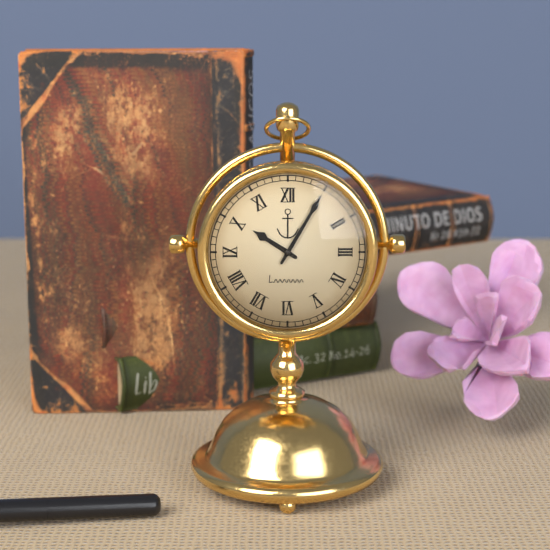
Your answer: 10,05
